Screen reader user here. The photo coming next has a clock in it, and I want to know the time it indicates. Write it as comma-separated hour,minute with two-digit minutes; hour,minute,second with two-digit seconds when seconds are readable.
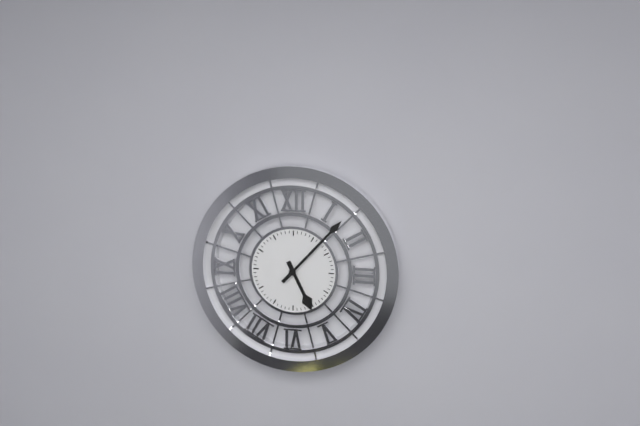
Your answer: 5,07
